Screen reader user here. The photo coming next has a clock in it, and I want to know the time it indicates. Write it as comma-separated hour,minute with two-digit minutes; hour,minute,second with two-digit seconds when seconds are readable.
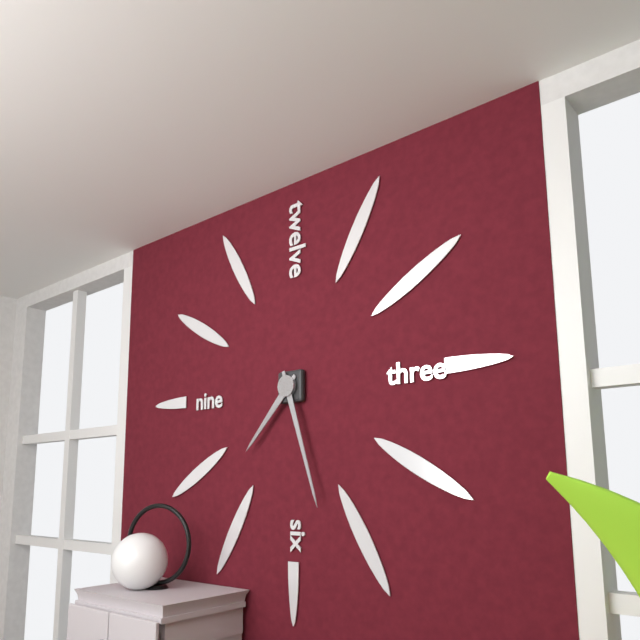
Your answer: 7,27
